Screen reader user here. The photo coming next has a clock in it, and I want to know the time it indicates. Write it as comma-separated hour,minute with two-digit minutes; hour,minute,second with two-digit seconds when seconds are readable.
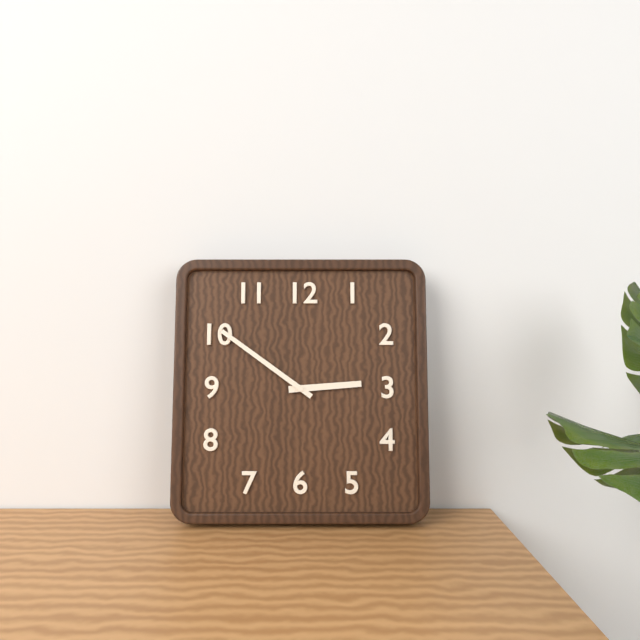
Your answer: 2,51
